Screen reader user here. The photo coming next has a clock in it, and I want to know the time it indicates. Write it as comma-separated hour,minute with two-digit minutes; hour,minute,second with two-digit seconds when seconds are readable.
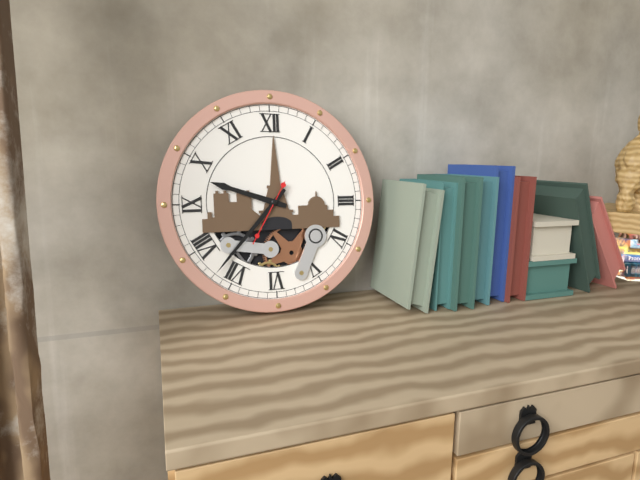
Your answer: 9,37,35
